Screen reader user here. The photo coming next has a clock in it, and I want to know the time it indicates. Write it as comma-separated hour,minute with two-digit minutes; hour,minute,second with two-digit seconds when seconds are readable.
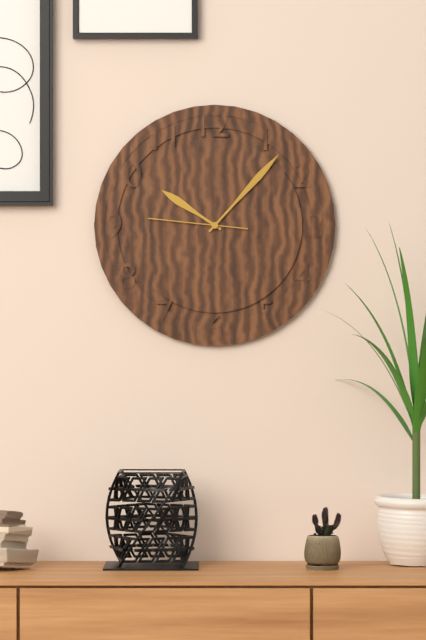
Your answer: 10,07,46
